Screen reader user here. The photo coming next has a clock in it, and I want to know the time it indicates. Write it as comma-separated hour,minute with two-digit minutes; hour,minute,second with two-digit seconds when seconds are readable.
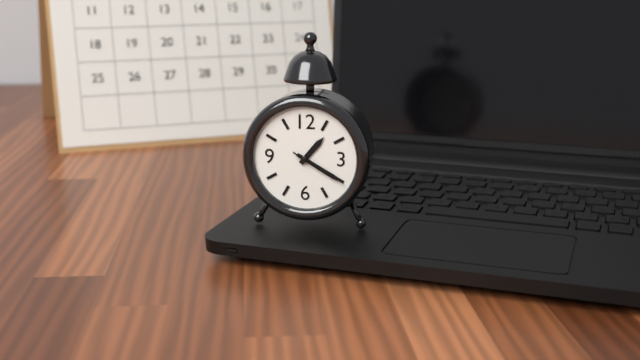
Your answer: 1,20,20
